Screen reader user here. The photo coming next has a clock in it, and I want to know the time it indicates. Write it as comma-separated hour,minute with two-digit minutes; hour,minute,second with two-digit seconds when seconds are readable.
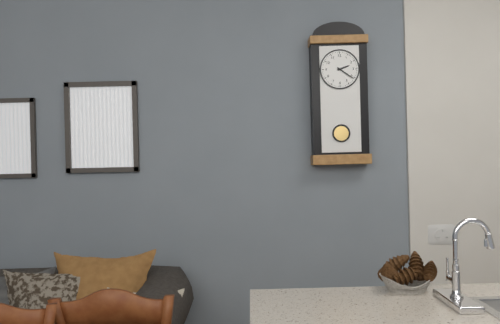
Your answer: 2,21
